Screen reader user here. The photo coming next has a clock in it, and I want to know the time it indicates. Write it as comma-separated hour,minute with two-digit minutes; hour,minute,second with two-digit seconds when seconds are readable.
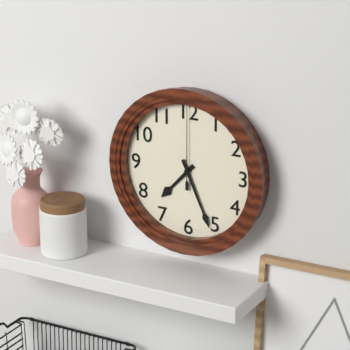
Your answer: 7,26,00
